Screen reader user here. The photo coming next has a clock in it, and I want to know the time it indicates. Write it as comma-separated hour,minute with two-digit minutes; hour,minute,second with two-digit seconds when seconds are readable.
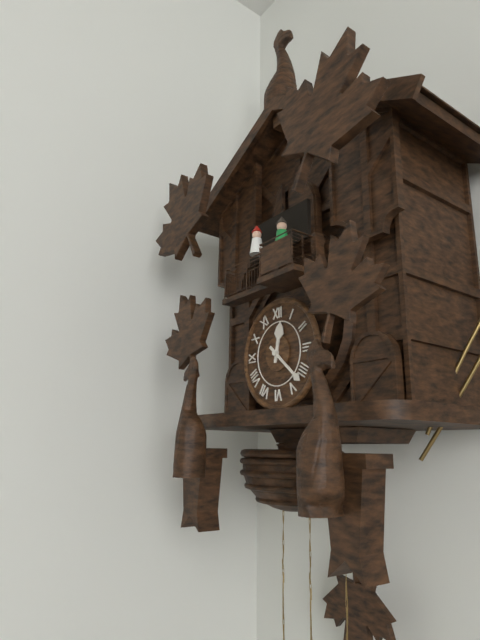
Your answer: 12,22
